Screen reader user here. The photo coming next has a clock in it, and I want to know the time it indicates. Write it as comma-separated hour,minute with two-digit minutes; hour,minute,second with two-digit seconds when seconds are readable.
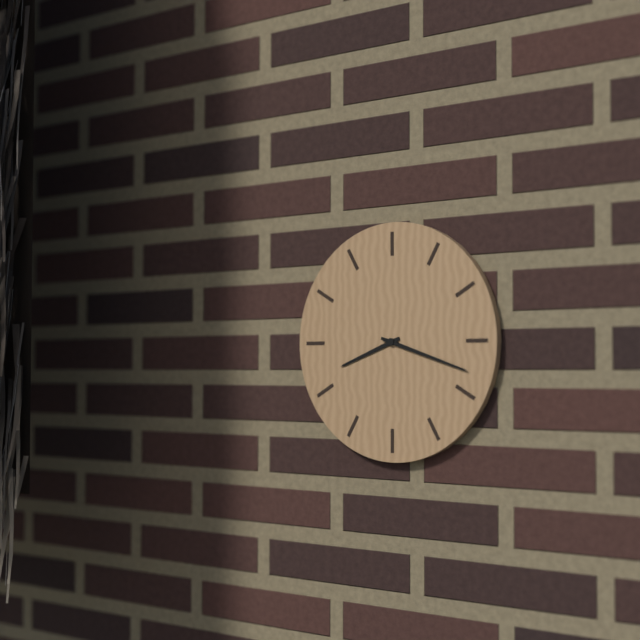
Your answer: 8,18
